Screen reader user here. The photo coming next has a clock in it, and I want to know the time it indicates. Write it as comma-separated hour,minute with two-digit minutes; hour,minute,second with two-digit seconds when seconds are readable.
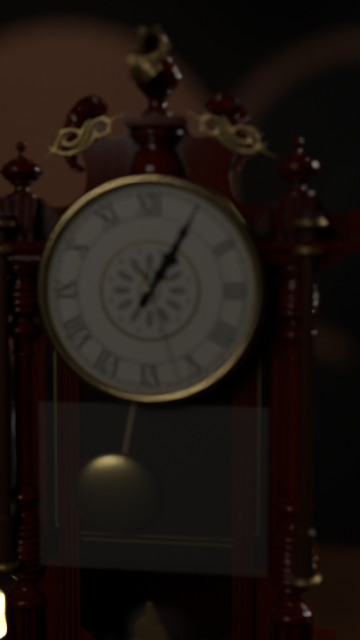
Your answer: 1,05,27
